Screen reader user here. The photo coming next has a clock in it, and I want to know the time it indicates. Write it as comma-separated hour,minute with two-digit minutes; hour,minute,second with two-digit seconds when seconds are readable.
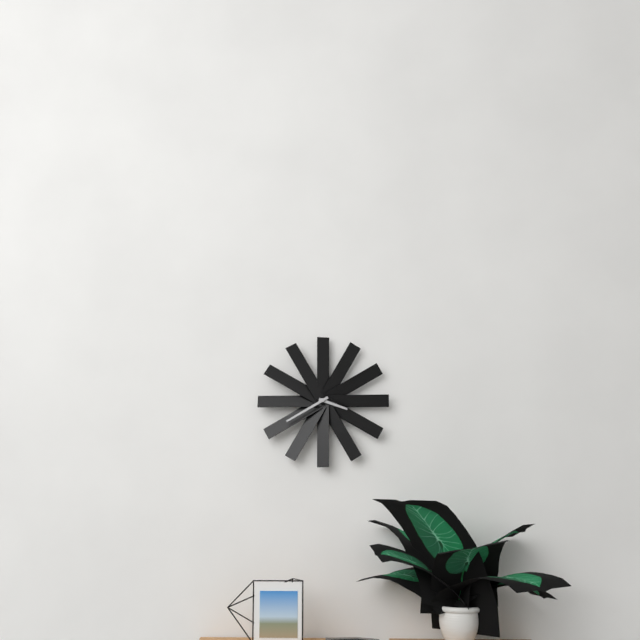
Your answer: 3,40
